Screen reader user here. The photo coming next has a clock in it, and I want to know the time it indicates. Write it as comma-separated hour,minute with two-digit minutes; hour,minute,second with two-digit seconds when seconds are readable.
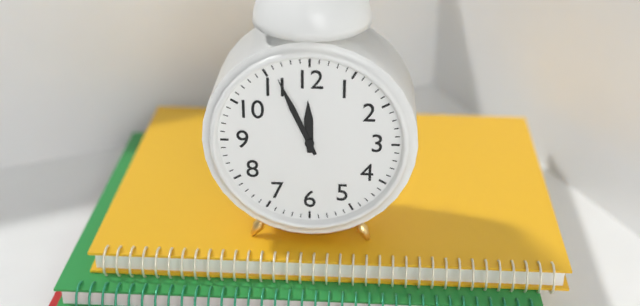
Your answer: 11,56
